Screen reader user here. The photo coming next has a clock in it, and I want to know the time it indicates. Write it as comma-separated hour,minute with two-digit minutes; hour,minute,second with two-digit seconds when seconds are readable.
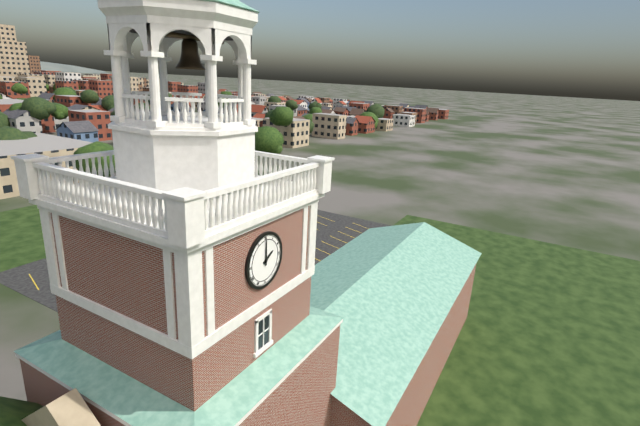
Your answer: 2,00
